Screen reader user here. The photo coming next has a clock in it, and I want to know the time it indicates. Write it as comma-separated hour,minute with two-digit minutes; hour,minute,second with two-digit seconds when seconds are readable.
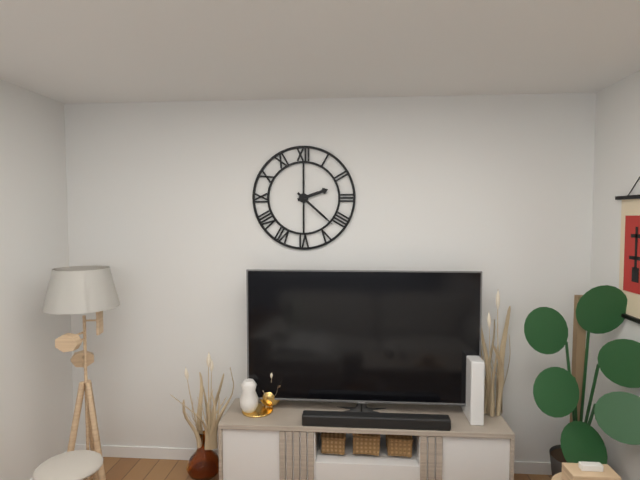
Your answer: 2,22
